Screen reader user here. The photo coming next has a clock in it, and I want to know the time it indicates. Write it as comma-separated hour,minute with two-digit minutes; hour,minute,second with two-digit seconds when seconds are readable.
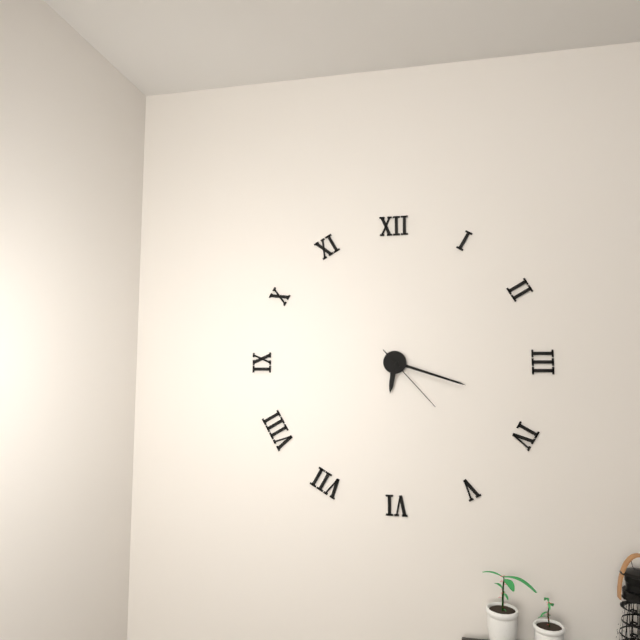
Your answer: 6,18,23
